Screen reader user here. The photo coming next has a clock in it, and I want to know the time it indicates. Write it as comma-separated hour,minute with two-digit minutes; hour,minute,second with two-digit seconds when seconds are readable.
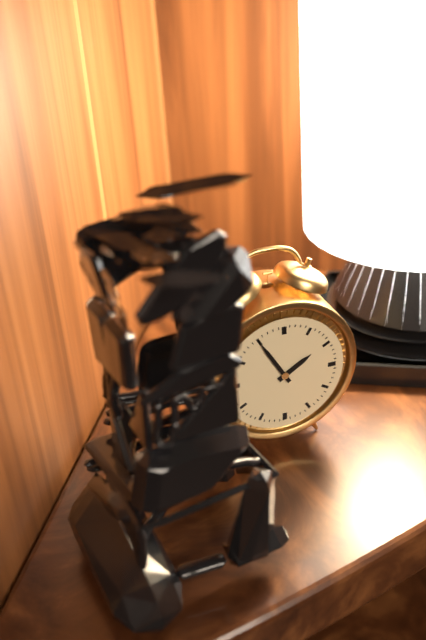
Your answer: 1,55
